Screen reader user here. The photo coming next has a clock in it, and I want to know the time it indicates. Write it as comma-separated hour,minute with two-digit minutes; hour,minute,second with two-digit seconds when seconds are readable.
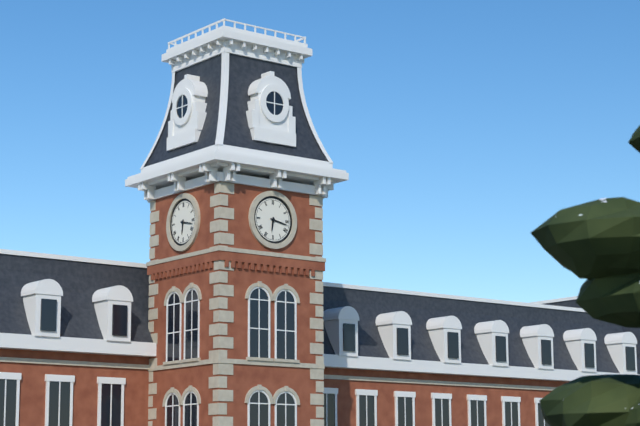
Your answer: 6,17
